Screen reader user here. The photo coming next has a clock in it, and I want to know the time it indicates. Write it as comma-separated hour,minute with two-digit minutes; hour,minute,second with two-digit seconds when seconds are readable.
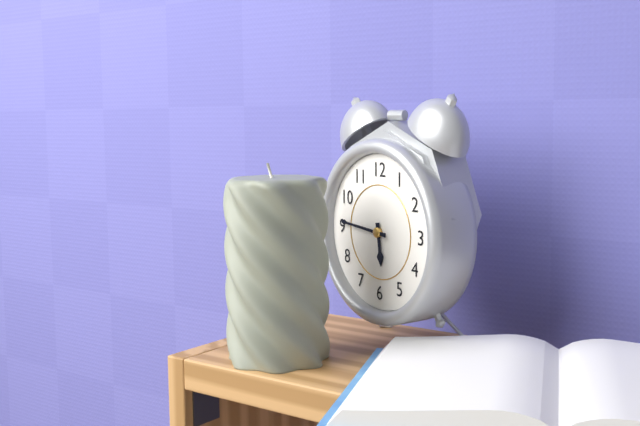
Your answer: 5,46
